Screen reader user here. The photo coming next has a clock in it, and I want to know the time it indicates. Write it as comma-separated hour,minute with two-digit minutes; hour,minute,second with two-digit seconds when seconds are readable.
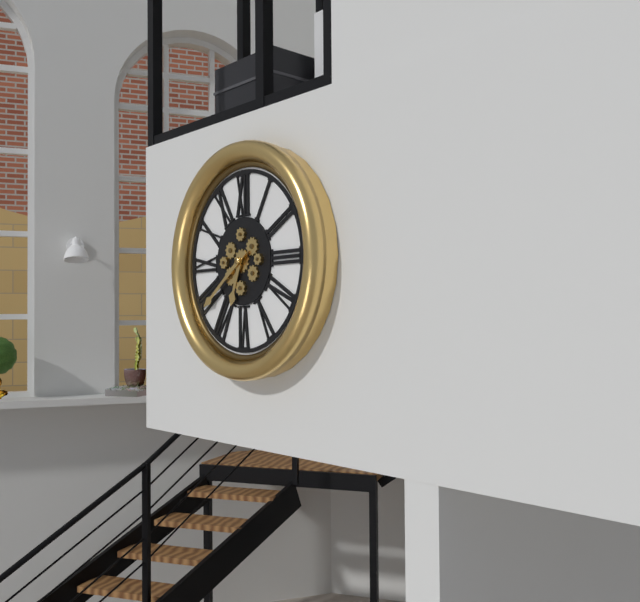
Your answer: 6,39
